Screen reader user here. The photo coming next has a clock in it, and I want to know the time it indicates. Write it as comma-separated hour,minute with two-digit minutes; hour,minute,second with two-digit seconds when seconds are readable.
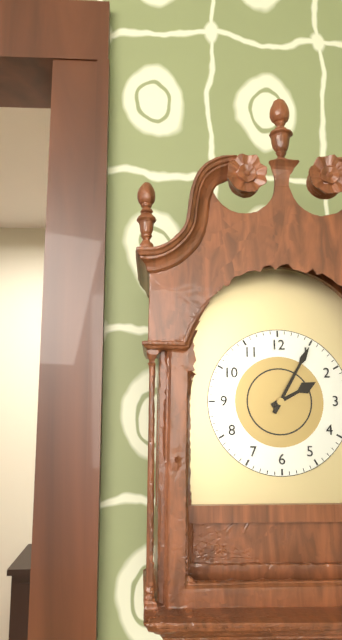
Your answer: 2,05
